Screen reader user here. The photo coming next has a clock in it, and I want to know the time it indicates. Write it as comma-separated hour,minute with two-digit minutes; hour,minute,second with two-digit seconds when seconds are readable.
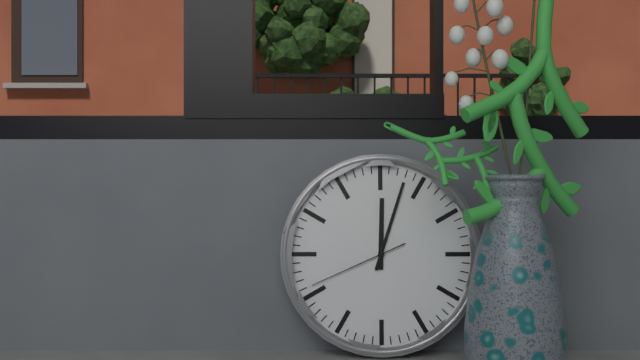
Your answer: 12,03,41
